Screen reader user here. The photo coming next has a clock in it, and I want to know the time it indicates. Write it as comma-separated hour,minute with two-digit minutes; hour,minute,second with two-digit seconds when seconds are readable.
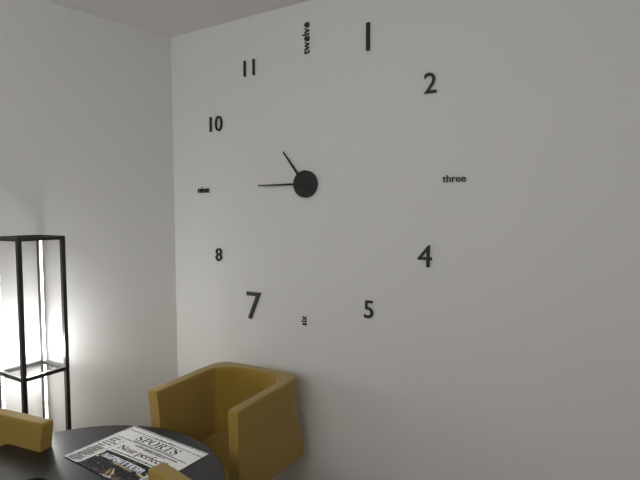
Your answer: 10,45
